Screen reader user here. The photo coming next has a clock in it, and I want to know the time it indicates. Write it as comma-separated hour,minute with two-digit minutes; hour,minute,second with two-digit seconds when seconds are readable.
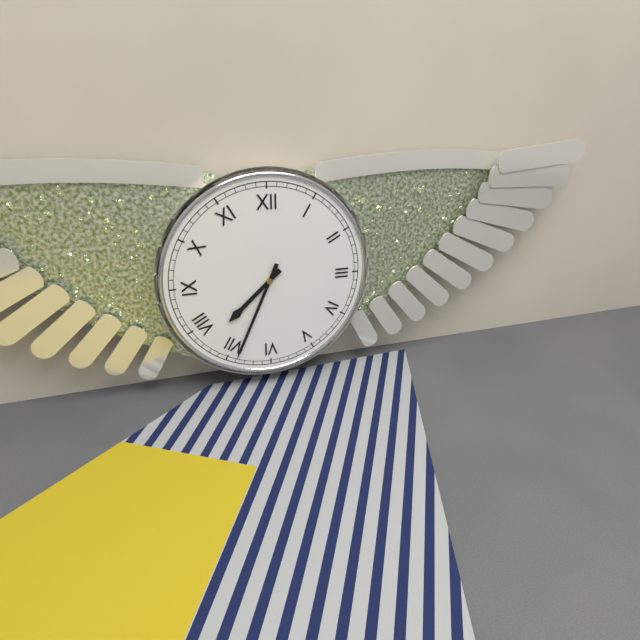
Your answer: 7,34
